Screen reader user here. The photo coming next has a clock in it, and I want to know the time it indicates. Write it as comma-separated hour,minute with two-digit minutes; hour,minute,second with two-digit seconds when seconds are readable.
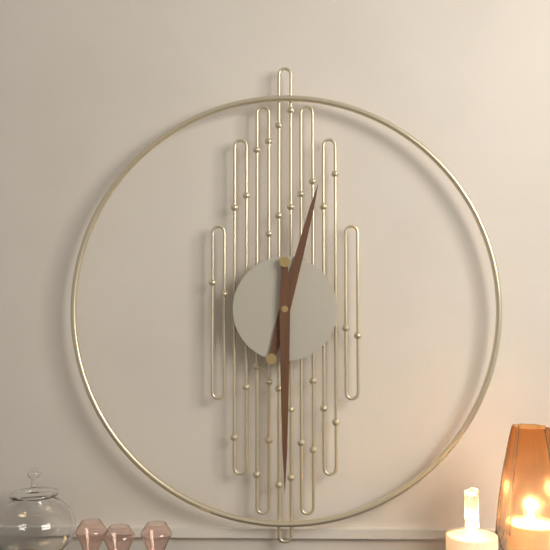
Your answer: 12,30
